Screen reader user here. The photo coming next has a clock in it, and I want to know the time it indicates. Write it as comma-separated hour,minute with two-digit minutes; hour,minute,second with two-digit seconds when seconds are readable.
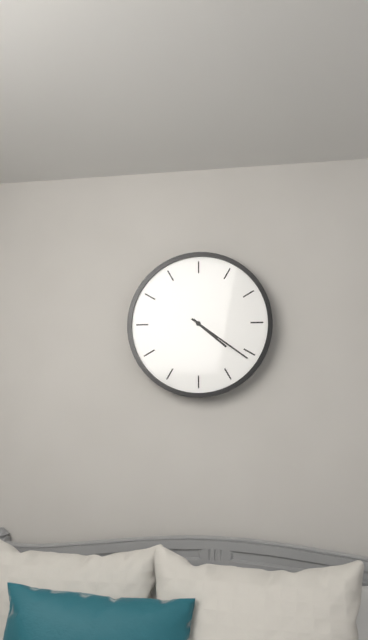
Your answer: 4,21
